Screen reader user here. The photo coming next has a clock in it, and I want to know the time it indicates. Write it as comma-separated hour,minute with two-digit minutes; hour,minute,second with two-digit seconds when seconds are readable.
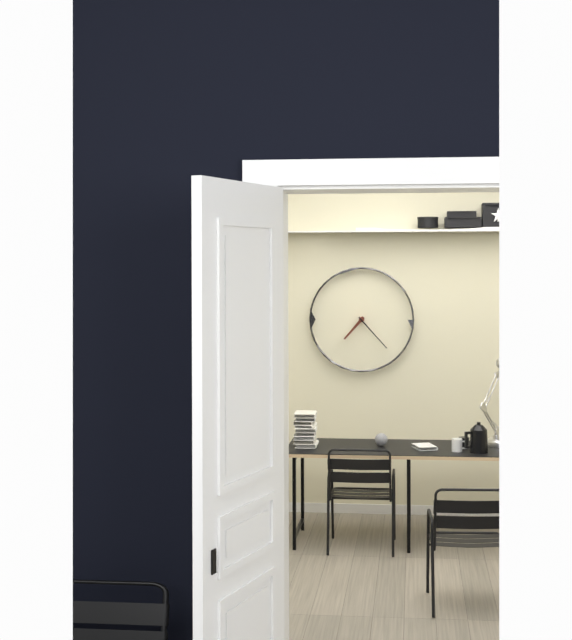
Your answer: 7,23
